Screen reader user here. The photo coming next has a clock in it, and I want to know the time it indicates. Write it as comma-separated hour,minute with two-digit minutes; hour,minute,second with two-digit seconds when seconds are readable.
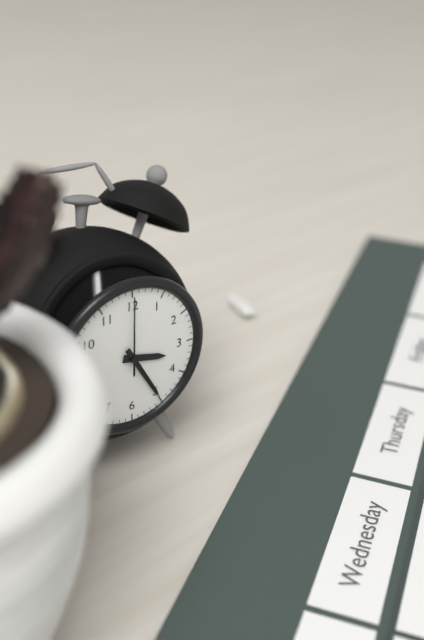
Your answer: 3,25,00
